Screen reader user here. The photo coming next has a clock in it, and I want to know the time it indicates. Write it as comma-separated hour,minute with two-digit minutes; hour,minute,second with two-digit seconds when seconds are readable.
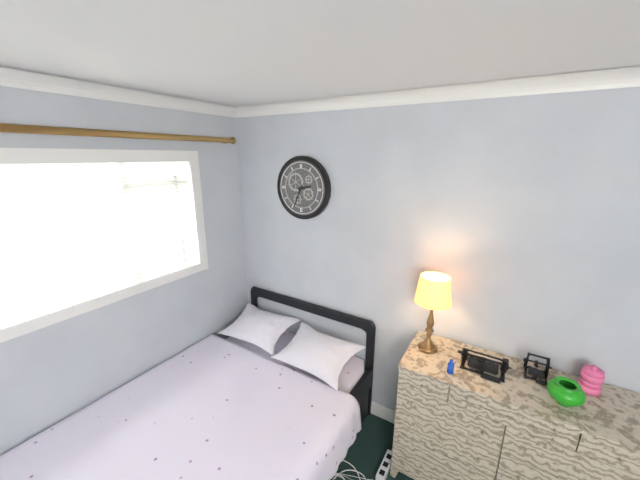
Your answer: 2,34
